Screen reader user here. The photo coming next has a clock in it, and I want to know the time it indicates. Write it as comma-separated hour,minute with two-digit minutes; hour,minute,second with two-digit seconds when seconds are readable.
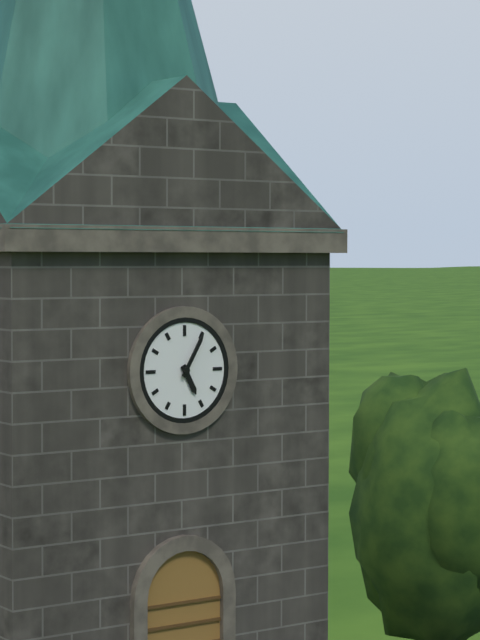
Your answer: 5,05
